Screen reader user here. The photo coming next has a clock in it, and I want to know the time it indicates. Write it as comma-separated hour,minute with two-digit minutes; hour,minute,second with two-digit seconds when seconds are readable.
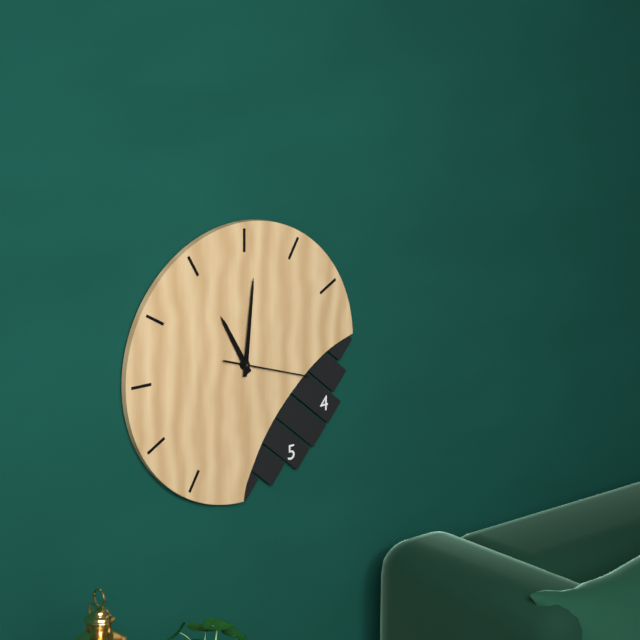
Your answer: 11,01,18
